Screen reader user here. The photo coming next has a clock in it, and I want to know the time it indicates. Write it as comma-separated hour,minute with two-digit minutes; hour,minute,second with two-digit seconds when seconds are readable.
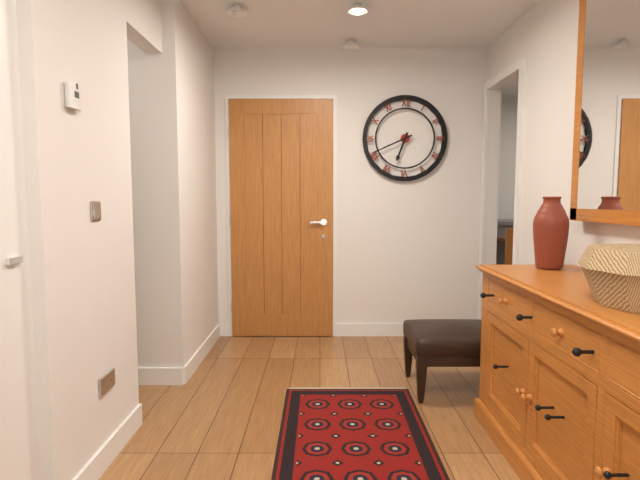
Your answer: 6,41
